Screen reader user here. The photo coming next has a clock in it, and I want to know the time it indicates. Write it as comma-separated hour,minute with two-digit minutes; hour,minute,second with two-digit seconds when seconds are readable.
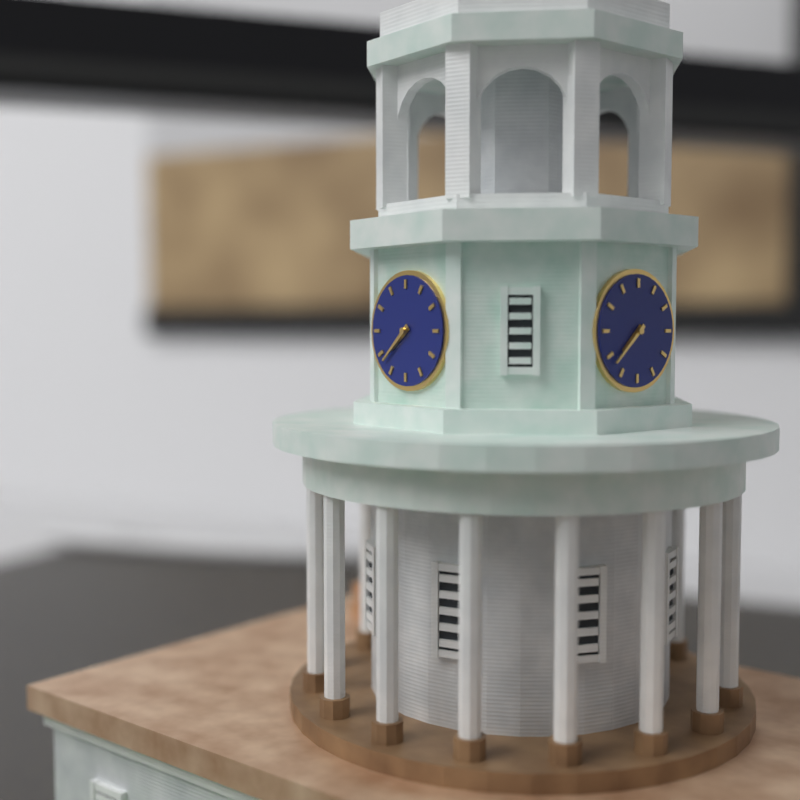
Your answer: 7,38
